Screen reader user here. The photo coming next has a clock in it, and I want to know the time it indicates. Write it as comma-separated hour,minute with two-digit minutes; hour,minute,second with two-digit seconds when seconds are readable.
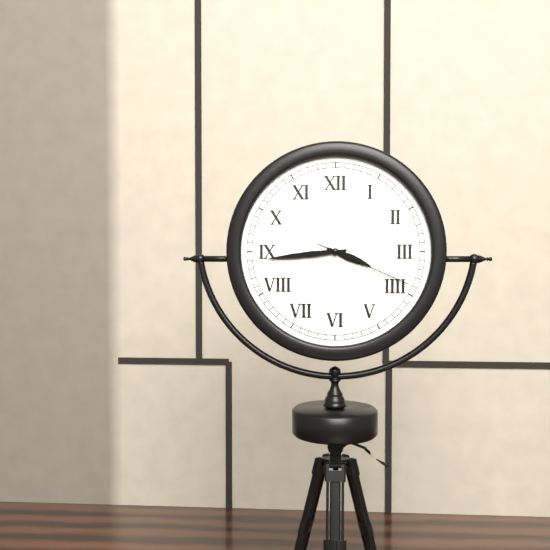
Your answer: 3,44,19
